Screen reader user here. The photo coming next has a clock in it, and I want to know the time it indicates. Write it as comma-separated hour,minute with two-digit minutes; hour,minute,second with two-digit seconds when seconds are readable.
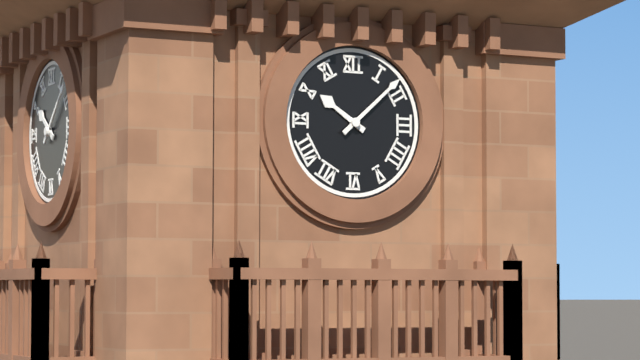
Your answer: 10,08
